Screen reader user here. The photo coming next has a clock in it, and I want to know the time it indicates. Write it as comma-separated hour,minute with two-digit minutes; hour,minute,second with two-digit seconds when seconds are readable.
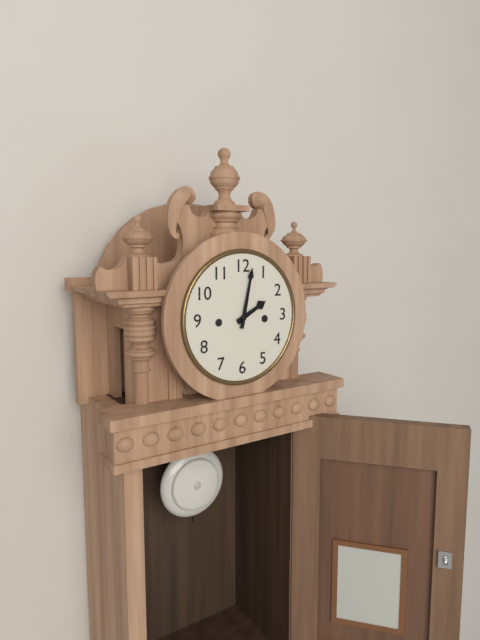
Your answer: 2,02
